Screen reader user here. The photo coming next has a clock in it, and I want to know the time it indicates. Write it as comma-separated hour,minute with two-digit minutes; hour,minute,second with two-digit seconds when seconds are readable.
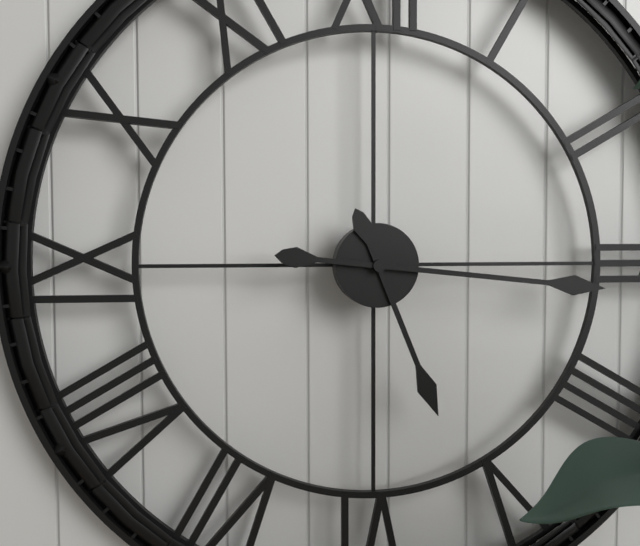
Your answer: 5,16
